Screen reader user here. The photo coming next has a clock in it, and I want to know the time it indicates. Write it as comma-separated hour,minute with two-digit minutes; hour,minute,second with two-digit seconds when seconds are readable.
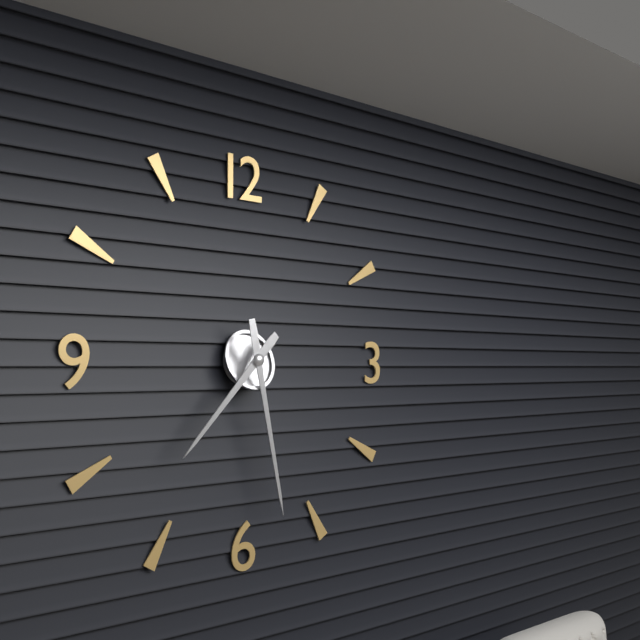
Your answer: 7,28
